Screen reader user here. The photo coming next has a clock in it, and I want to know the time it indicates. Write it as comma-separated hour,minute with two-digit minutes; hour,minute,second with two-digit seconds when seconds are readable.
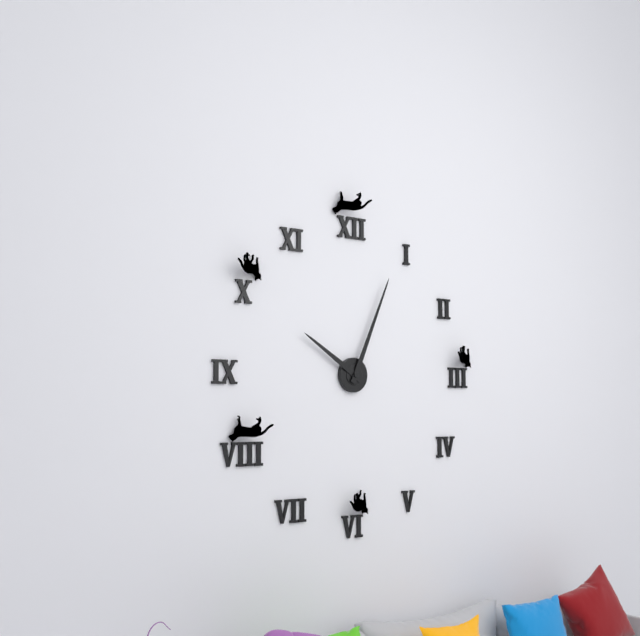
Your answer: 10,04
